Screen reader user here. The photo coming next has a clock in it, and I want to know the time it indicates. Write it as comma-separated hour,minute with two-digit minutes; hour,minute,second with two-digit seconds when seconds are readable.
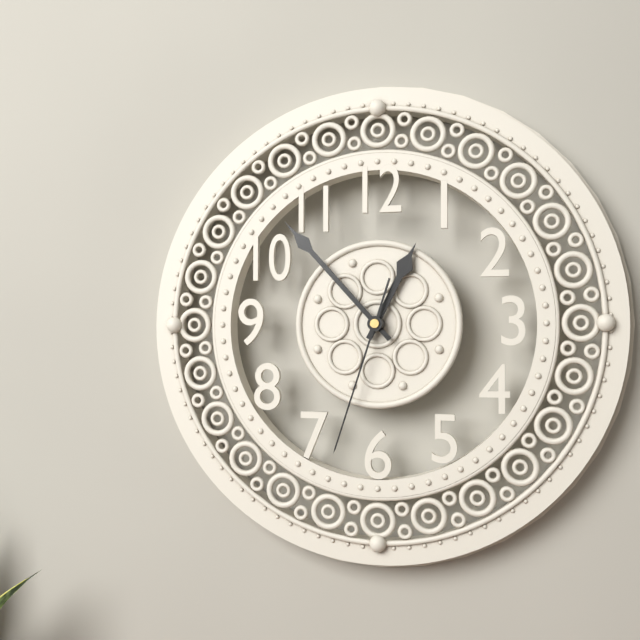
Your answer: 12,53,33
